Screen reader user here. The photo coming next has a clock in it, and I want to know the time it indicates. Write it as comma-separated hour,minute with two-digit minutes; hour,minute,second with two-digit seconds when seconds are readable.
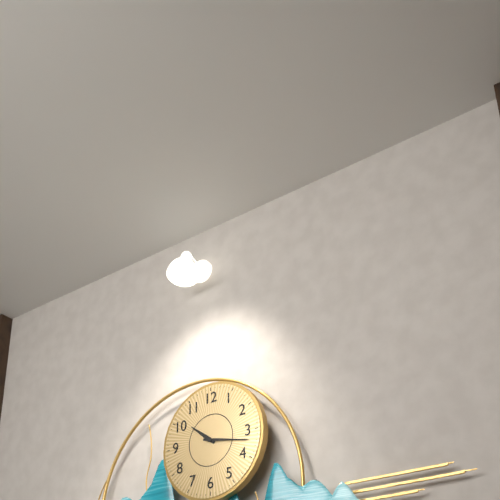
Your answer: 10,17
